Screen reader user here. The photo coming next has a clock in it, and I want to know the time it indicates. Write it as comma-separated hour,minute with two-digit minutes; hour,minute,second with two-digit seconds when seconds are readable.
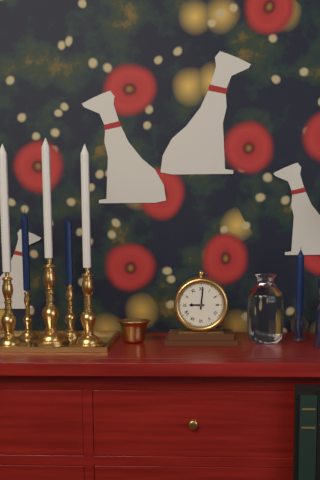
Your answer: 9,01
